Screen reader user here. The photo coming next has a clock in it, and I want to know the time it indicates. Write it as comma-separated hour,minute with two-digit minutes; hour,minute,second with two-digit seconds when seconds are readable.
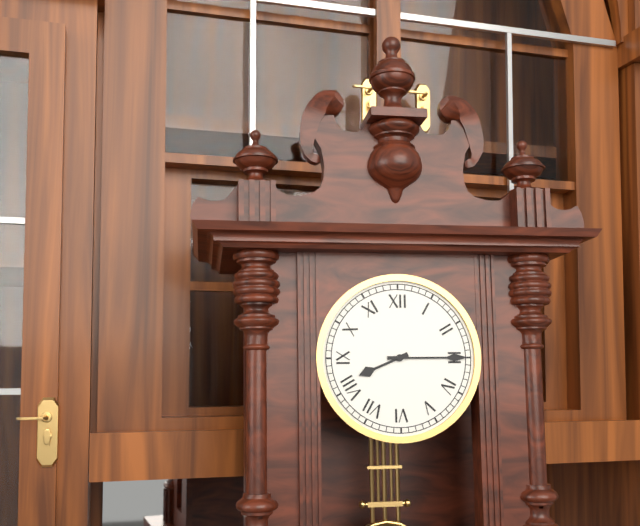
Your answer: 8,15
